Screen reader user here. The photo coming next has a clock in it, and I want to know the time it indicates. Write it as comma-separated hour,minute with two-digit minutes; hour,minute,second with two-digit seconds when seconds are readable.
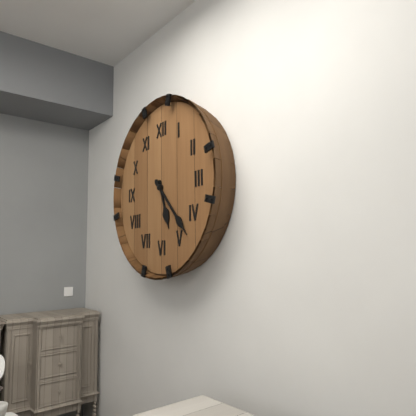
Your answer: 5,23
